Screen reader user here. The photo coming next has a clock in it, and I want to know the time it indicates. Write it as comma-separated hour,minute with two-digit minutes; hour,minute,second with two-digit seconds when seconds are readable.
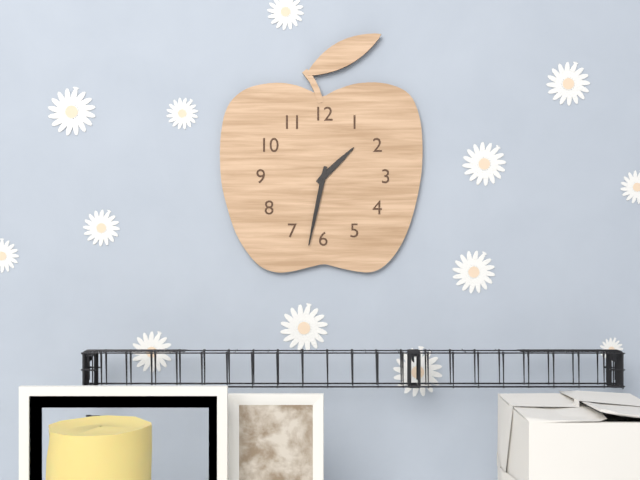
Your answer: 1,32
